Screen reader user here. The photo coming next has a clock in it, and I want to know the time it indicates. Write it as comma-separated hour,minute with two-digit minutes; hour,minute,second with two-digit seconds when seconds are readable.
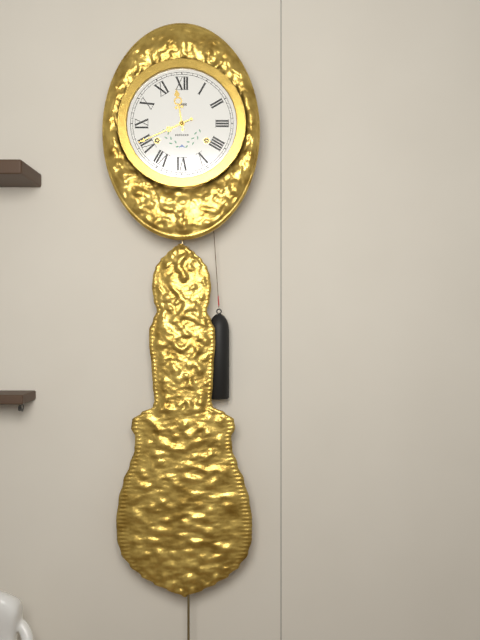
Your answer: 11,41
